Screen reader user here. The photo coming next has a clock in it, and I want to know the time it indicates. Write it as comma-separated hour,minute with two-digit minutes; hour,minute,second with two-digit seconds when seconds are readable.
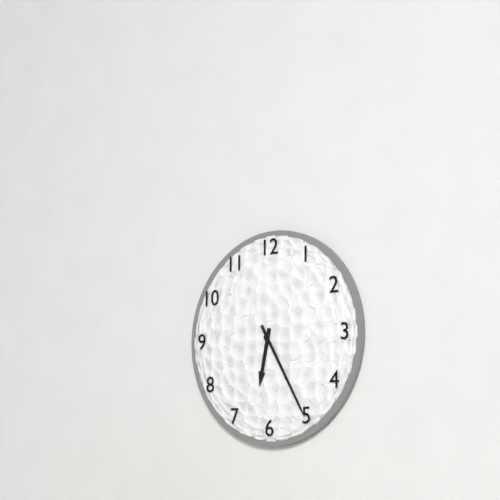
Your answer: 6,25
